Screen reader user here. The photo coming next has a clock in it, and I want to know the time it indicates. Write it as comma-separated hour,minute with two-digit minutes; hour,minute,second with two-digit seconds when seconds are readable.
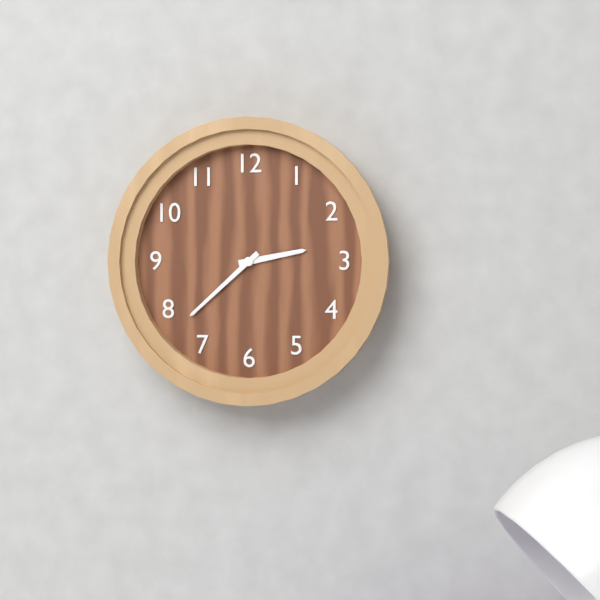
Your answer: 2,38
